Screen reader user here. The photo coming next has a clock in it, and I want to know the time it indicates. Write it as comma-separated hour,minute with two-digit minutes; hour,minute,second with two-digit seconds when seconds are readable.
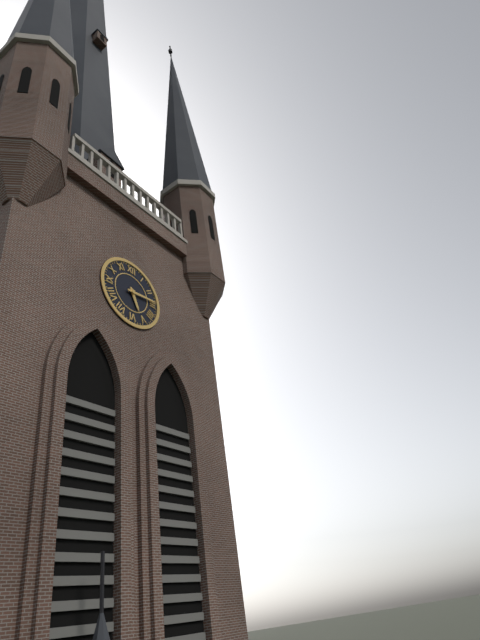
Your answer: 5,14
